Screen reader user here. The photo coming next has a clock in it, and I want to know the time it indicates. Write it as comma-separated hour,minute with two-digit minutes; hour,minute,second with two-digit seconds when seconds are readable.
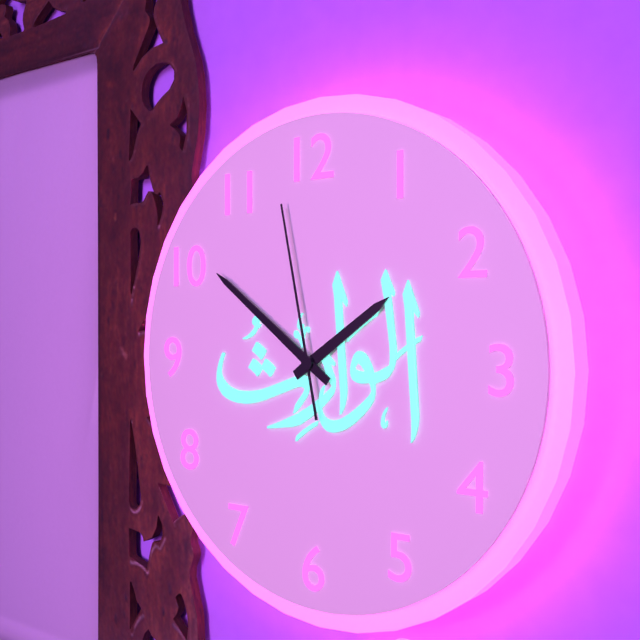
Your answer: 1,51,58
